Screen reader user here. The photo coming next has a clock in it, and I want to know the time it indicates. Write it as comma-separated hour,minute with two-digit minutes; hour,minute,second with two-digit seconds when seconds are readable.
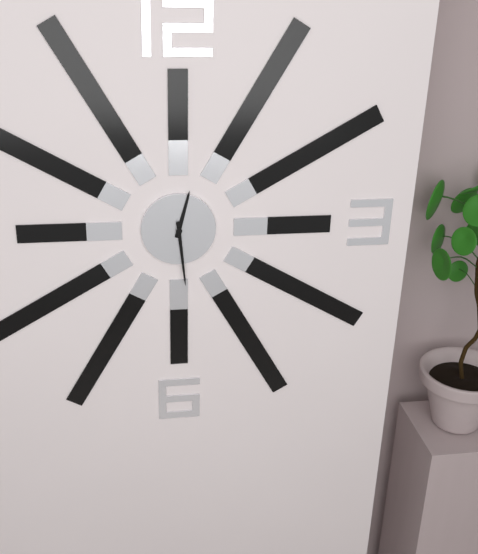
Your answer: 12,29
